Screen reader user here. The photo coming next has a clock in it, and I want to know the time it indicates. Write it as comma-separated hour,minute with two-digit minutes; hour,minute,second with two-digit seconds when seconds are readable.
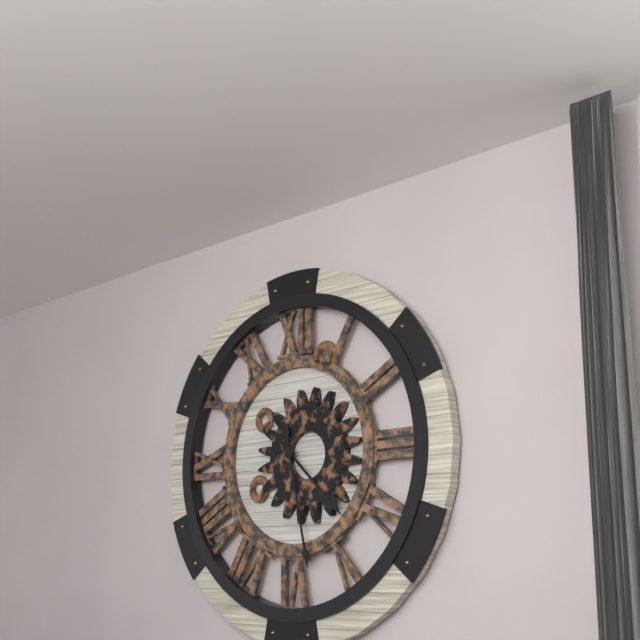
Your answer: 4,28
